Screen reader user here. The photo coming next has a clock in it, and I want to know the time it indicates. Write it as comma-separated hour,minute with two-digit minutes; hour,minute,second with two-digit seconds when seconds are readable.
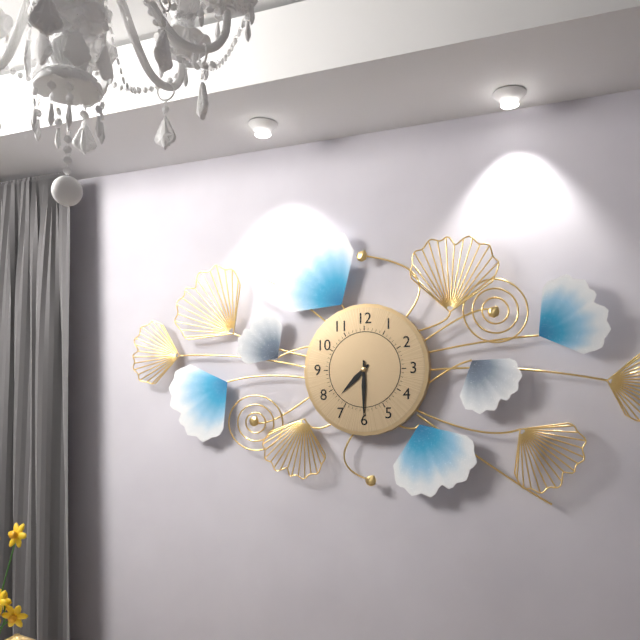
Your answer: 7,30
